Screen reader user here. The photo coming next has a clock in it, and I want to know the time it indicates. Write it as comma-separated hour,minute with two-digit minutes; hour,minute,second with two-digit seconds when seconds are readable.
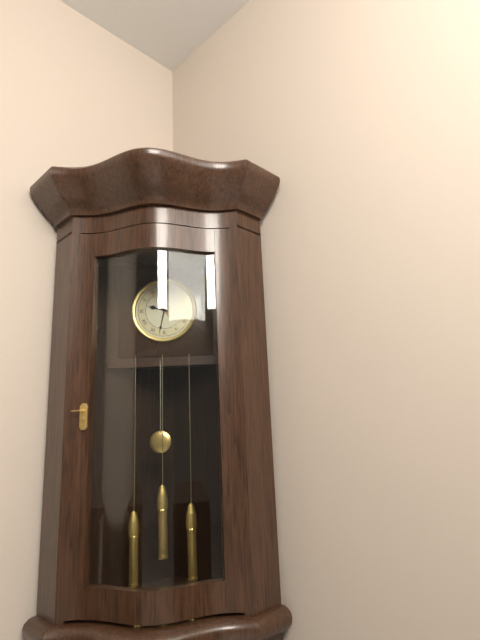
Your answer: 9,32
